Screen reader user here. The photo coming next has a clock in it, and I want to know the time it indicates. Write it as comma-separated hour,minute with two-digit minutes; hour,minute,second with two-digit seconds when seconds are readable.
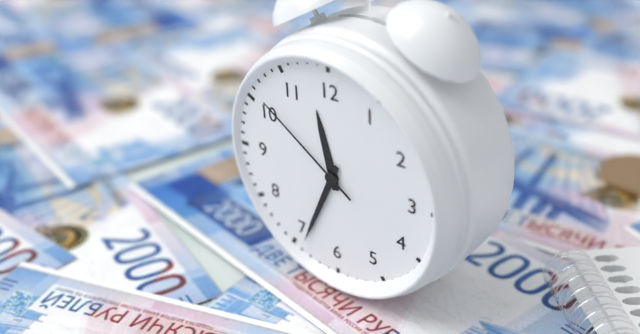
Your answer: 11,34,51
